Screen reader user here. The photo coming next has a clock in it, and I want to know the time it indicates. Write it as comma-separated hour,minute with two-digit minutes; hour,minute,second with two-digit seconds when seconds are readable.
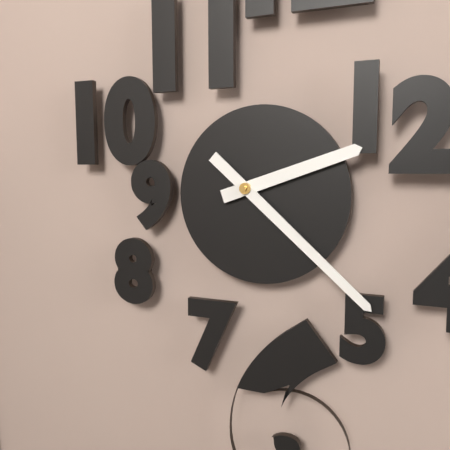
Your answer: 2,22
